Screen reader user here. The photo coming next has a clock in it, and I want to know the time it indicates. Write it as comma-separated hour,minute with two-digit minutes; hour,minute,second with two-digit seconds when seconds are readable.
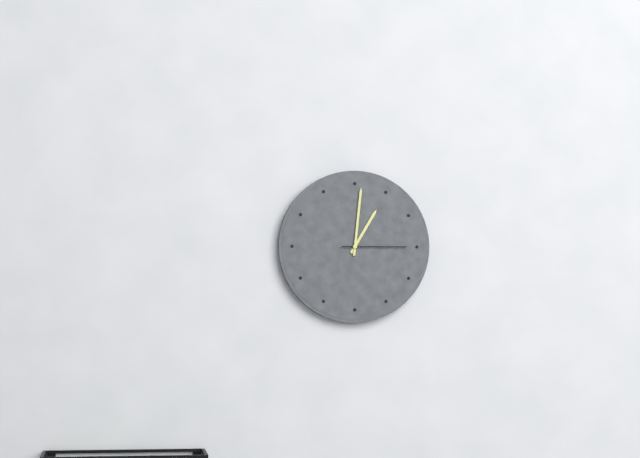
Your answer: 1,01,15
